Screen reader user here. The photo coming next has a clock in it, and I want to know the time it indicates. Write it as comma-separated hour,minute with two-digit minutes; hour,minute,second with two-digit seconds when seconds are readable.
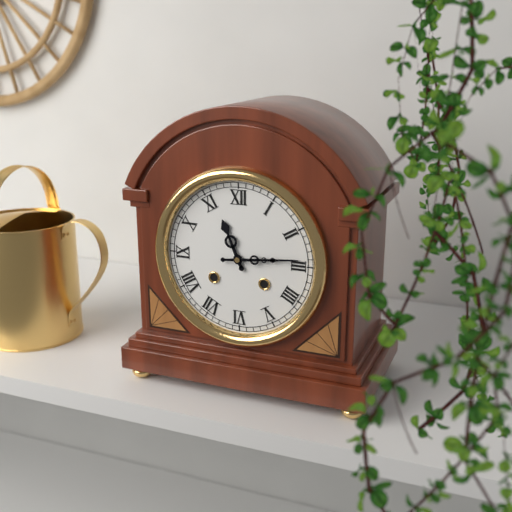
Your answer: 11,14
